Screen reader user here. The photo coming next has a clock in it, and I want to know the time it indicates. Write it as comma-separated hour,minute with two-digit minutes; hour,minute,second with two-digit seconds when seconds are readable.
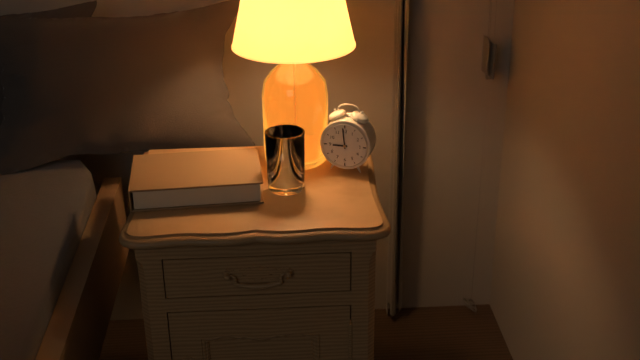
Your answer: 8,59
